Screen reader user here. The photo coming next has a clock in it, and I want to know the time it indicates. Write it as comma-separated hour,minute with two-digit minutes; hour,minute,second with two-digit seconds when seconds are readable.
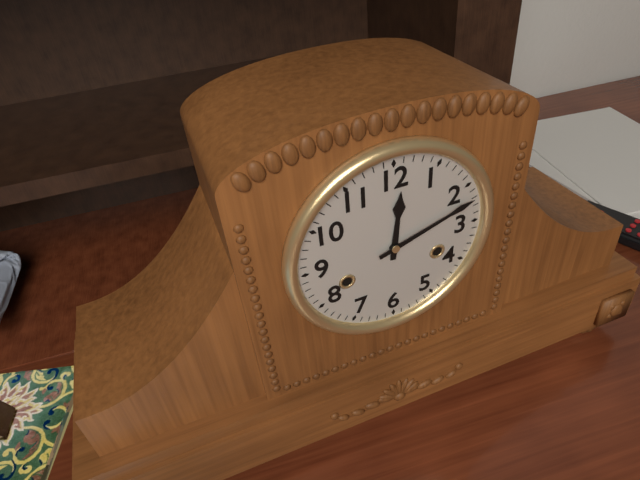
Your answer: 12,12
